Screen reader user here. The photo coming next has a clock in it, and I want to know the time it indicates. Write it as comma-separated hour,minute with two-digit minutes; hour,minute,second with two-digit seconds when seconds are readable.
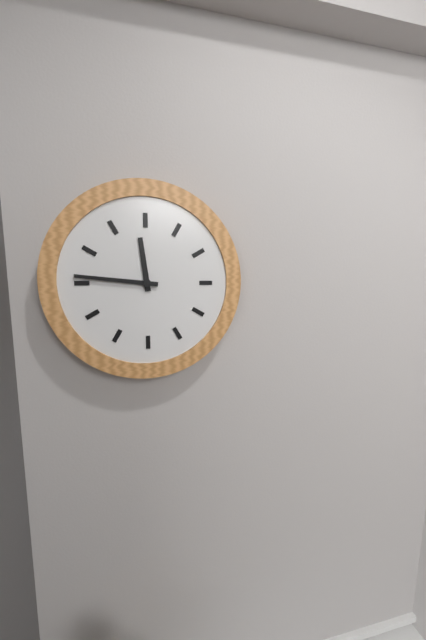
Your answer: 11,46
